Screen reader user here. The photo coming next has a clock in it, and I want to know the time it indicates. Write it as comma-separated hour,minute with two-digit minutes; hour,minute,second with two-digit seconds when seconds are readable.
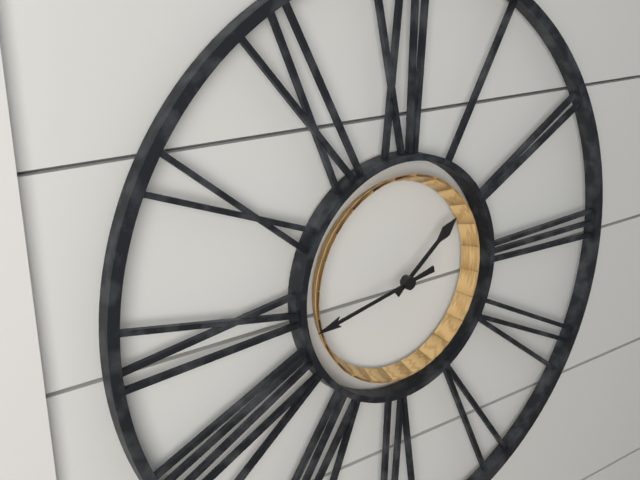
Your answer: 1,43
